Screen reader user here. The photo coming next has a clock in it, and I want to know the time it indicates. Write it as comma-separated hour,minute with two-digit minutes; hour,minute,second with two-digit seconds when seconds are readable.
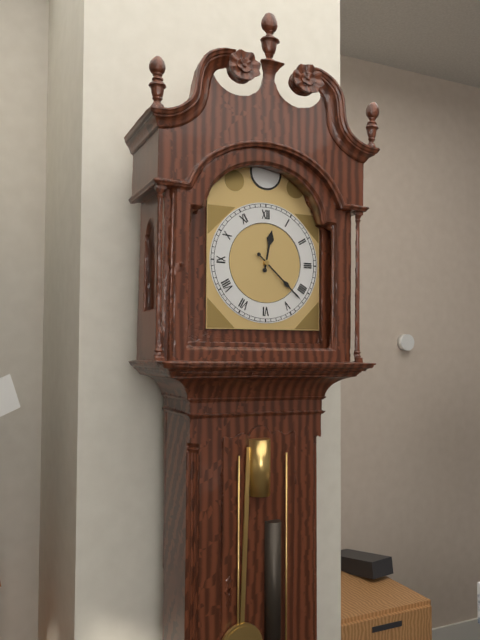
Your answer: 12,22
